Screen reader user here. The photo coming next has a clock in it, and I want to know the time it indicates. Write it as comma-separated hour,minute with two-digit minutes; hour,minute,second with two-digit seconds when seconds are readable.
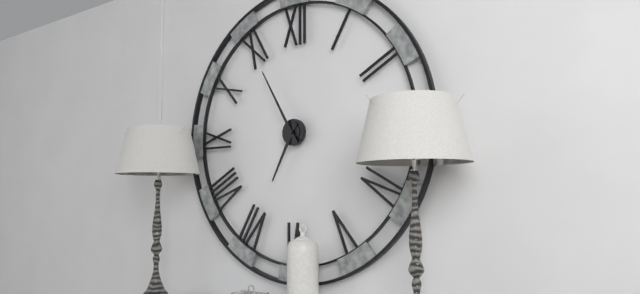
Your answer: 6,55
